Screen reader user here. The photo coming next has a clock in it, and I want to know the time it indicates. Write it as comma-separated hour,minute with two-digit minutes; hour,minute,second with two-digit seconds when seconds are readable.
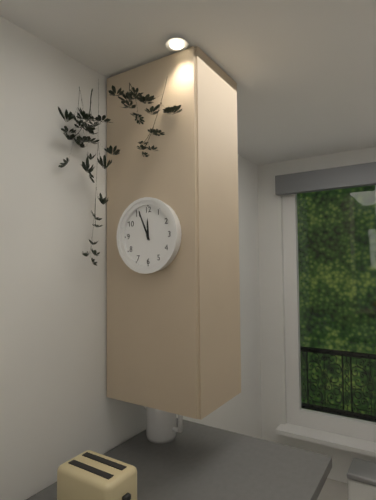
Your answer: 11,56
